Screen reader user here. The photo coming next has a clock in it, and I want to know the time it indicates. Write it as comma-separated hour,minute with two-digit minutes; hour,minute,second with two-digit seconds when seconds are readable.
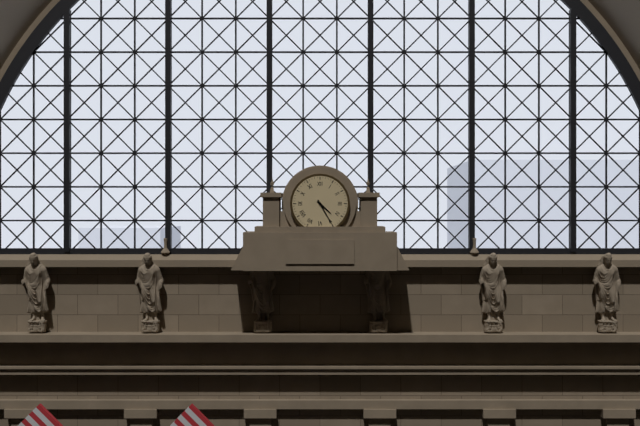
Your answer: 4,25
